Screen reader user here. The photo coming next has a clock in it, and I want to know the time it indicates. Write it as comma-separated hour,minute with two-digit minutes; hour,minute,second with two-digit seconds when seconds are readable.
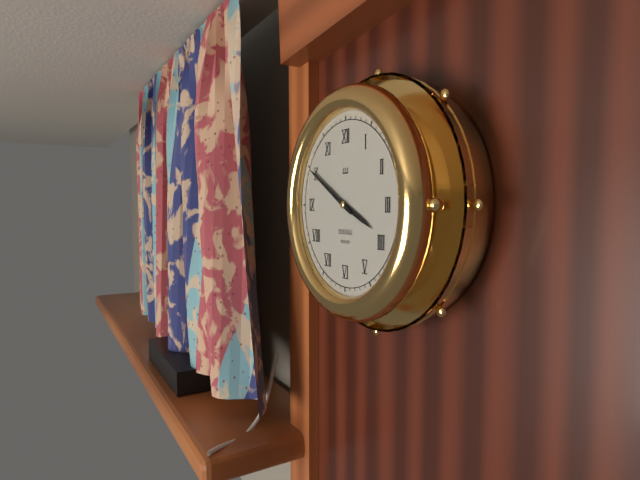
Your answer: 3,50
